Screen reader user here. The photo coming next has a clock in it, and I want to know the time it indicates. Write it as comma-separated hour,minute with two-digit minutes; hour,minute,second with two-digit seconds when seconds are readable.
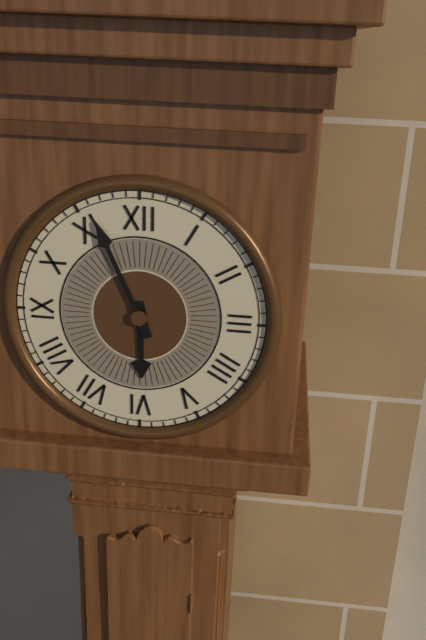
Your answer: 5,56
